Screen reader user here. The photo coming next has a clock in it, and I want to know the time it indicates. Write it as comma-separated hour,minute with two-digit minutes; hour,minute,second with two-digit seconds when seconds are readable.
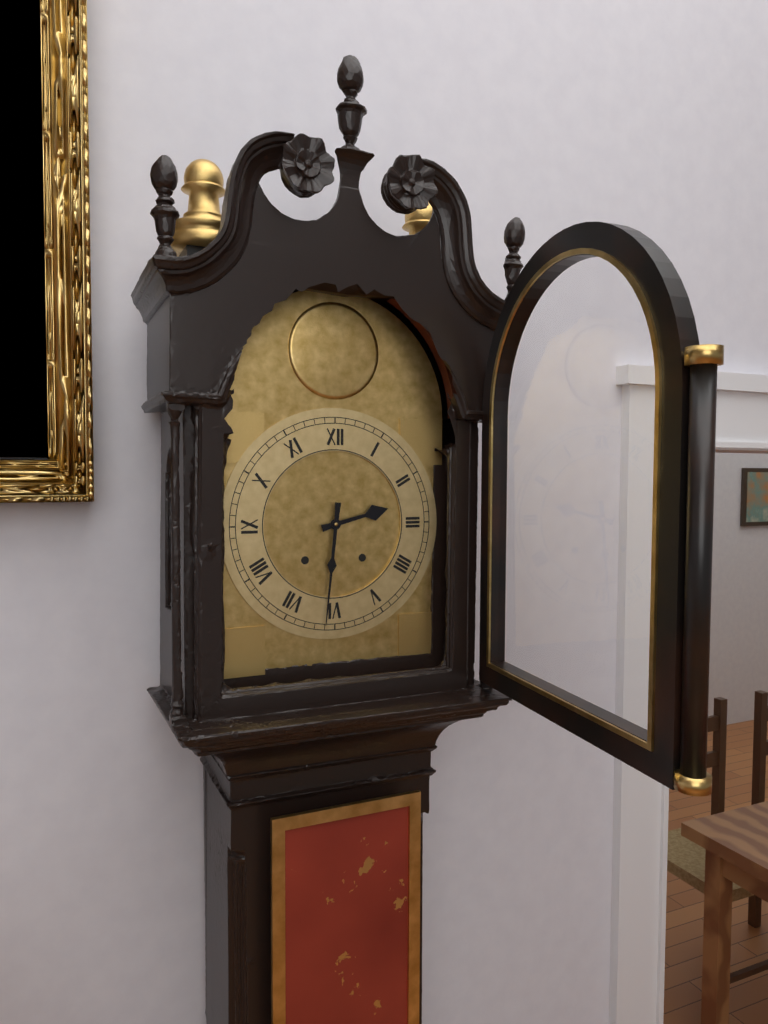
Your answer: 2,31
